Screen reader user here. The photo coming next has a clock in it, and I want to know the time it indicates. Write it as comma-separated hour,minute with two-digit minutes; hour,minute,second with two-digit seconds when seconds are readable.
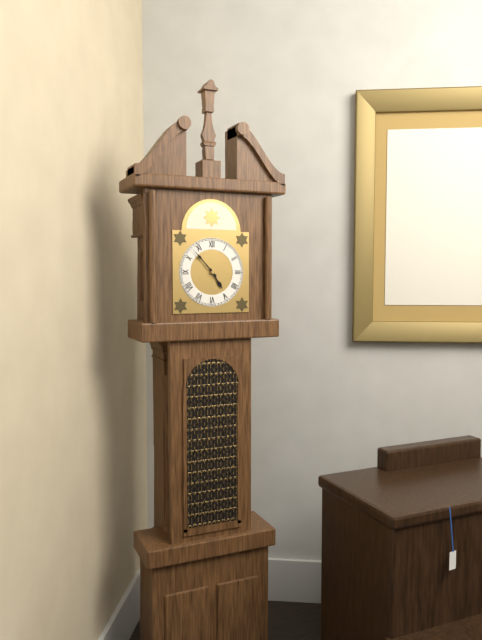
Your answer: 4,53
